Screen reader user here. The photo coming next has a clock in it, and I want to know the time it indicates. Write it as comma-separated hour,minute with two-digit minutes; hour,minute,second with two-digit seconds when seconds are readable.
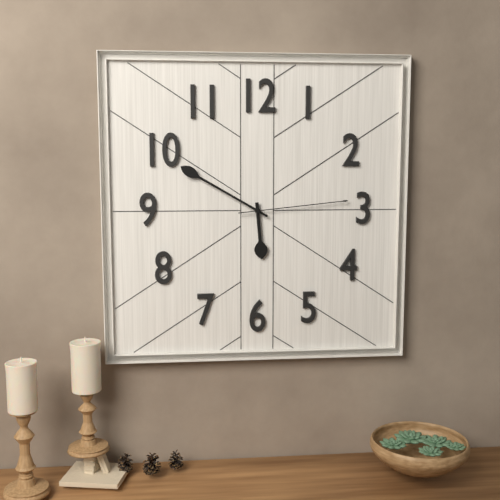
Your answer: 5,50,14
